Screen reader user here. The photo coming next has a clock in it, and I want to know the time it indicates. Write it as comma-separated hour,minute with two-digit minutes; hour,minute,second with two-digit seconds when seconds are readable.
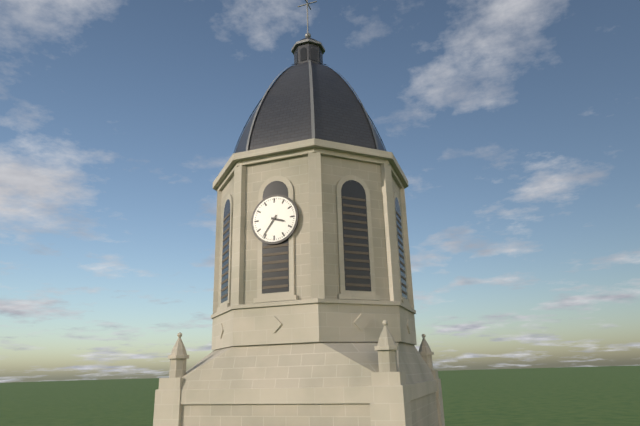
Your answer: 3,36
